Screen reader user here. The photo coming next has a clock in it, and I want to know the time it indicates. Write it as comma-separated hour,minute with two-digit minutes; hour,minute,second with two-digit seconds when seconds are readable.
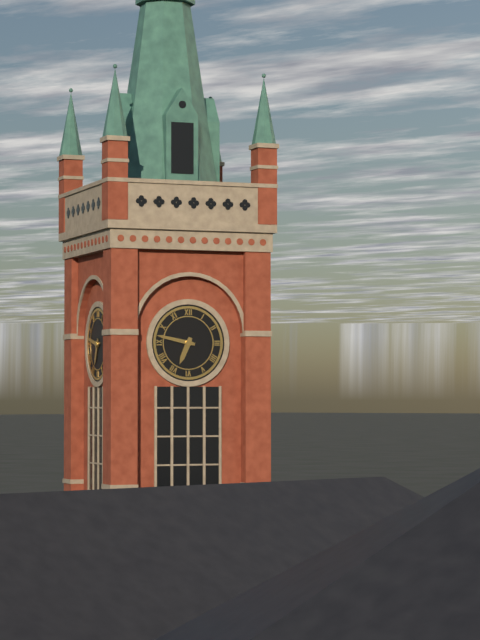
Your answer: 6,47
